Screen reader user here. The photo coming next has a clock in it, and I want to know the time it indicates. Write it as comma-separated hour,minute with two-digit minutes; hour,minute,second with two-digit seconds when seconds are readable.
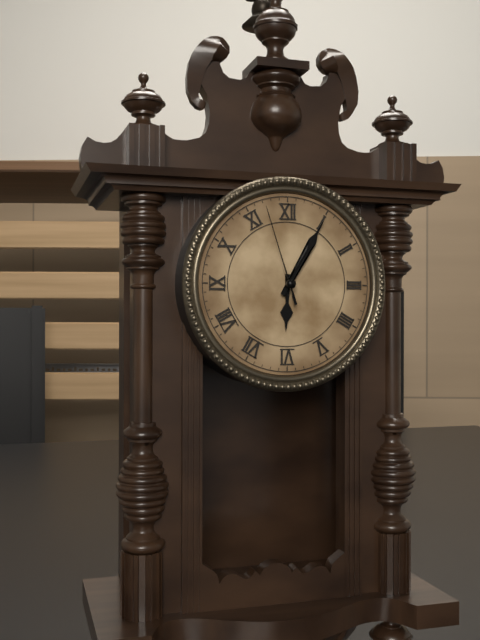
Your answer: 6,05,57
